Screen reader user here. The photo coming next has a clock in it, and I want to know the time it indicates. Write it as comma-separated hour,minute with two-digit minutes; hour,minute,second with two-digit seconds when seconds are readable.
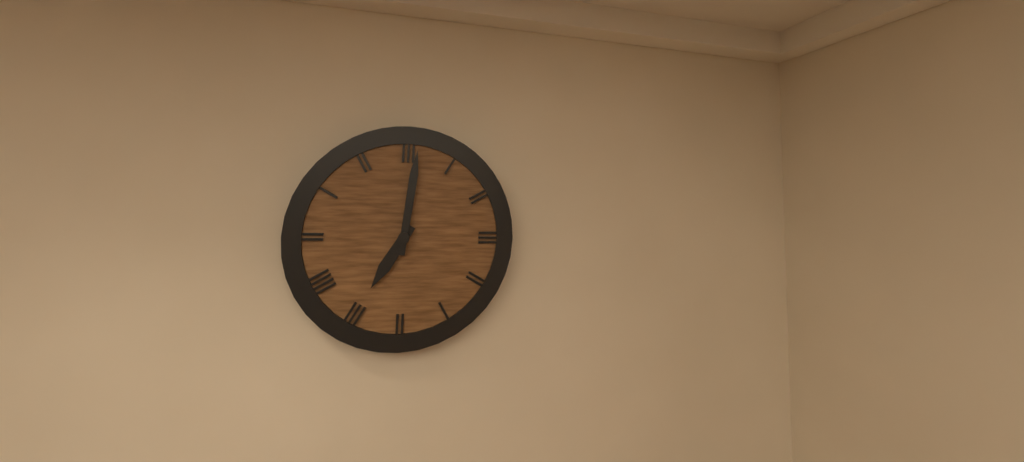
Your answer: 7,01
